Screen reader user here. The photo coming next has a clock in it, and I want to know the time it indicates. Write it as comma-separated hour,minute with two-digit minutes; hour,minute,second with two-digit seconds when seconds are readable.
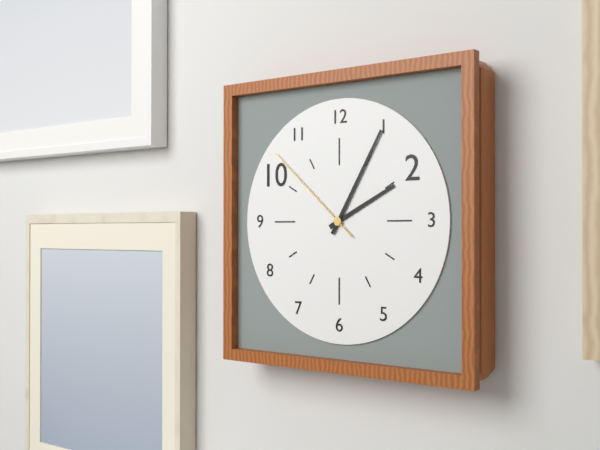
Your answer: 2,05,52
